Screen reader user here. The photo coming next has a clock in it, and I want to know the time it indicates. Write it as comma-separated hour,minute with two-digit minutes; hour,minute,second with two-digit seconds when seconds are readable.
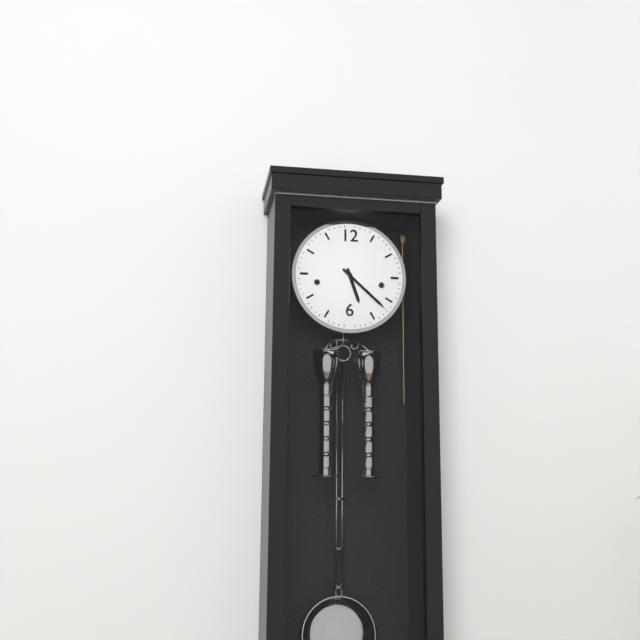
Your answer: 5,22
